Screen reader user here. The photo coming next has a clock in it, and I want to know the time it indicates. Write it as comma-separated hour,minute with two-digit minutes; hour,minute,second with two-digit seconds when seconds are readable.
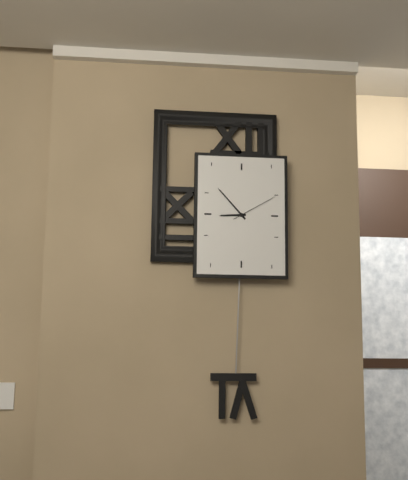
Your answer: 8,53
